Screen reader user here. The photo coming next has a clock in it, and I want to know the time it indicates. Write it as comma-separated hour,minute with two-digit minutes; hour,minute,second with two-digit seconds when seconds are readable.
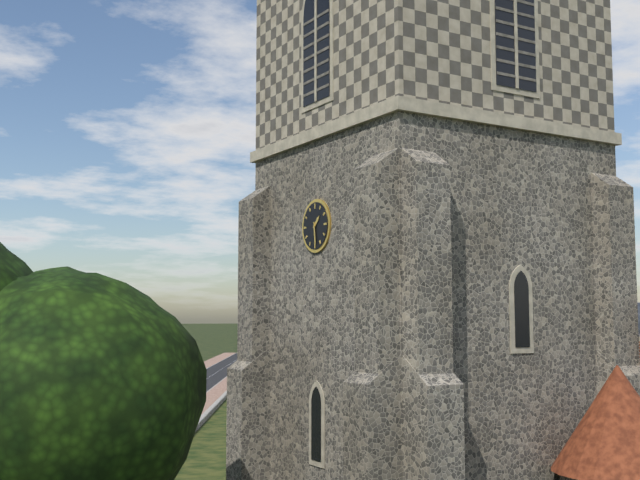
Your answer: 1,29
